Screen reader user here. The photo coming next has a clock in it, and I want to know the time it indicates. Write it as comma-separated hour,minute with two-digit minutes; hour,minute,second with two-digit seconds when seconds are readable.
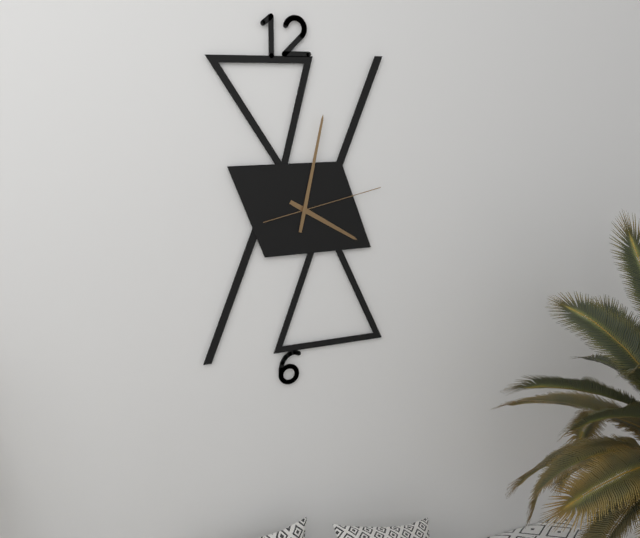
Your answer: 4,02,13
